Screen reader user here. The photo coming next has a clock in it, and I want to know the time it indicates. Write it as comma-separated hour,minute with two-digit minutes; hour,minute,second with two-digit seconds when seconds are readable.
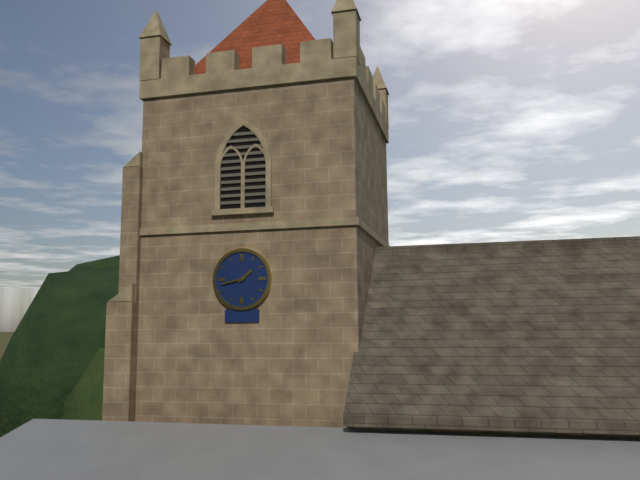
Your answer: 1,43
